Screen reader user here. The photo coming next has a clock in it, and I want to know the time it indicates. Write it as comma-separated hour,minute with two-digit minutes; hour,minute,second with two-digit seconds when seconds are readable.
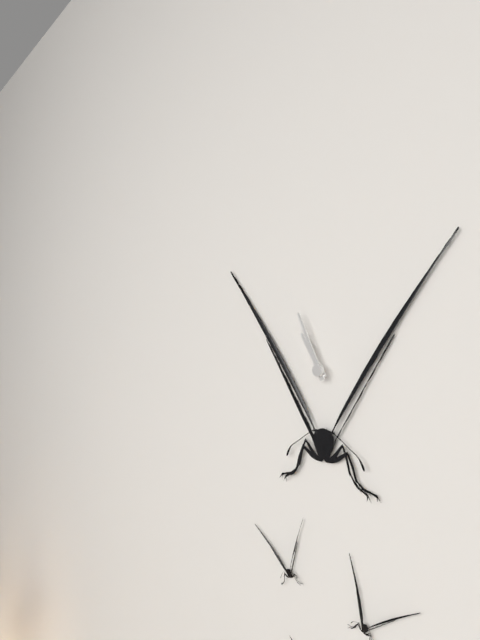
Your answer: 10,56
